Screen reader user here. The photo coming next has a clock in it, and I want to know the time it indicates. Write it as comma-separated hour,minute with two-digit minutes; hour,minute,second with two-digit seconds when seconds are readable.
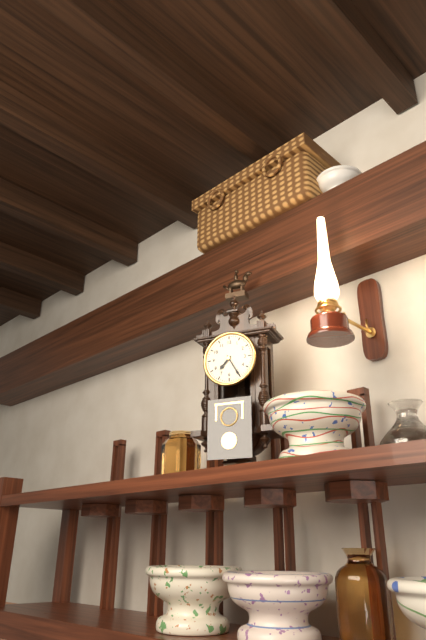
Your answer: 7,25
